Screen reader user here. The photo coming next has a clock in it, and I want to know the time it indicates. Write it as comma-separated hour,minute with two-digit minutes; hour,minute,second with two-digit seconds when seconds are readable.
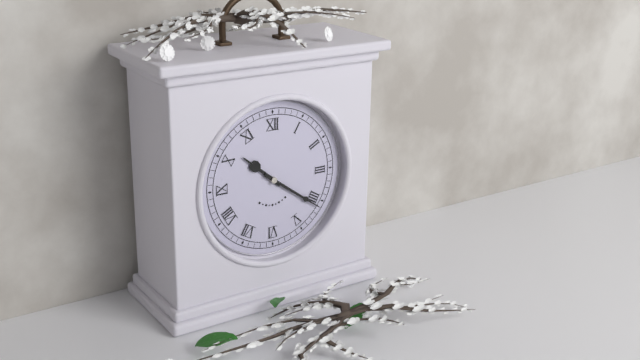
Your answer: 10,21
